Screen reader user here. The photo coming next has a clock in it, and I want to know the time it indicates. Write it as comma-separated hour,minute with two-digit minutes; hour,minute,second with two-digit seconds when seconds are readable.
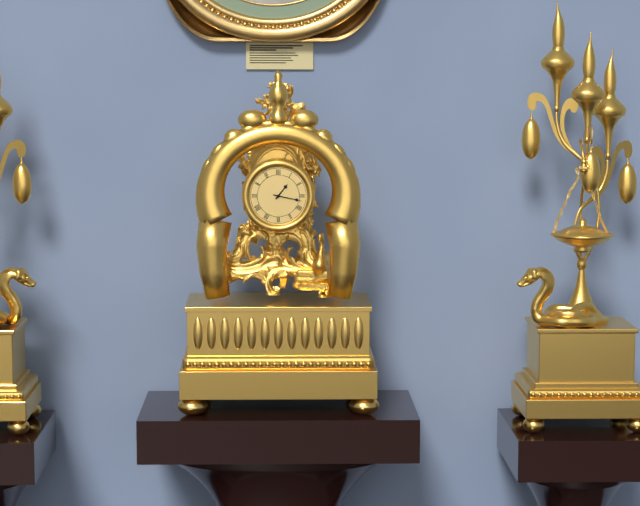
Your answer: 1,17
